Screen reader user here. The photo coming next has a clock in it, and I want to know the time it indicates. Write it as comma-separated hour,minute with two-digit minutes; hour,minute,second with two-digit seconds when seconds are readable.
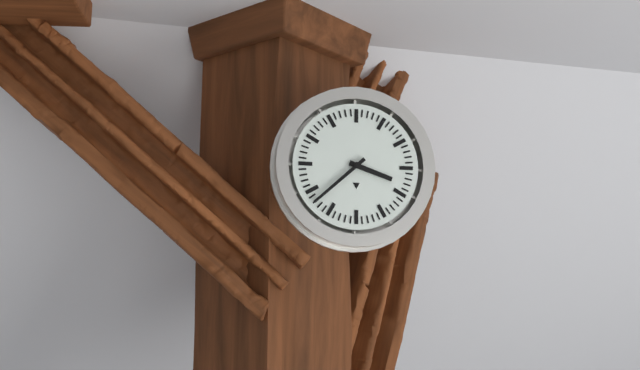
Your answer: 3,38
